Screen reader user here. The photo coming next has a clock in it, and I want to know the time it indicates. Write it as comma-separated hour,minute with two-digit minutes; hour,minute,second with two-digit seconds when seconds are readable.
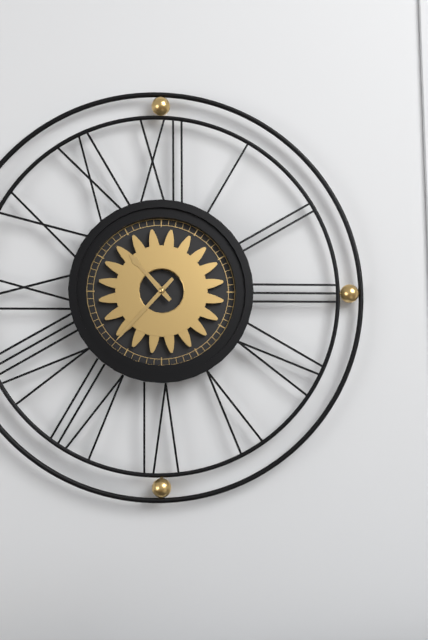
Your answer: 10,37
